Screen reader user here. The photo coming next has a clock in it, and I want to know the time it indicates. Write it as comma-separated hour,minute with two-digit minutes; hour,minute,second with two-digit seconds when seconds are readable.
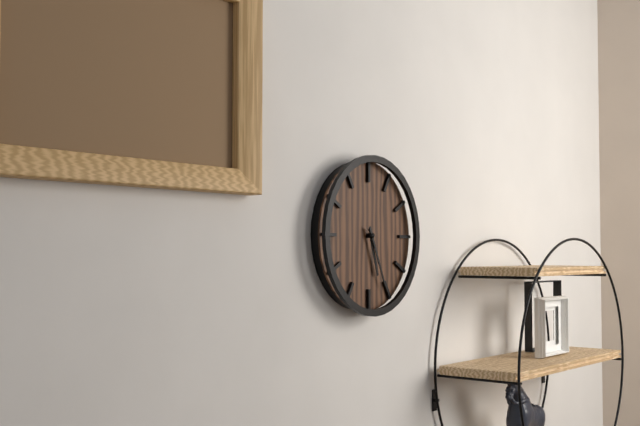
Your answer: 5,26
